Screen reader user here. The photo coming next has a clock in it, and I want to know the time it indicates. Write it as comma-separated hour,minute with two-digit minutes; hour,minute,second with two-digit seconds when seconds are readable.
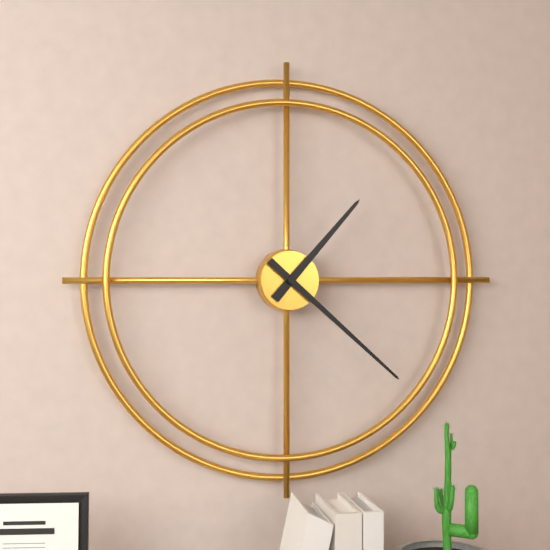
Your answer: 1,22
